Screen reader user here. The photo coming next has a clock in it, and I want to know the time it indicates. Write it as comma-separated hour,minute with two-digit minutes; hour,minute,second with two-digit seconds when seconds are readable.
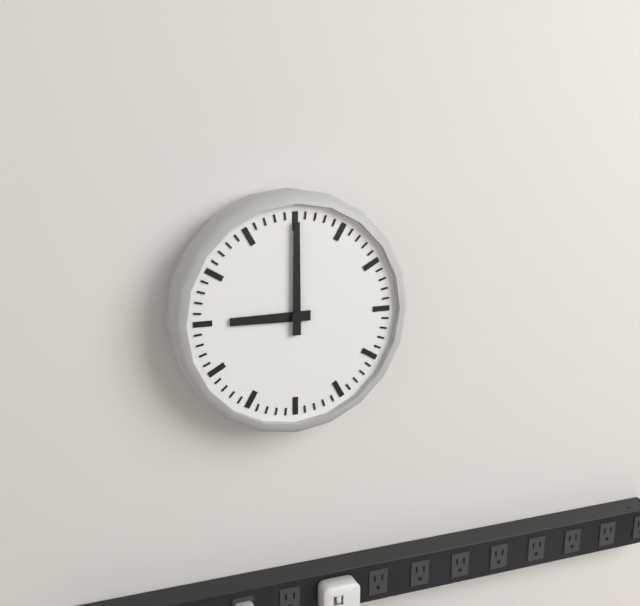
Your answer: 9,00
